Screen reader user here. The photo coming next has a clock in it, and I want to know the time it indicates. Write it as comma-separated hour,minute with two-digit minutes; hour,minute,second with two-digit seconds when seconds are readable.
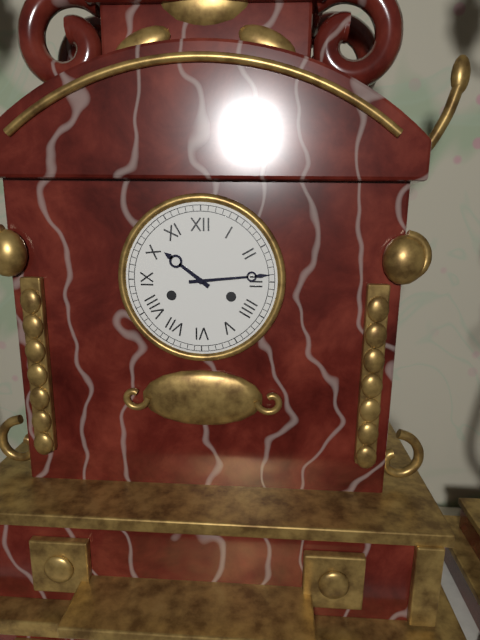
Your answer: 10,14
